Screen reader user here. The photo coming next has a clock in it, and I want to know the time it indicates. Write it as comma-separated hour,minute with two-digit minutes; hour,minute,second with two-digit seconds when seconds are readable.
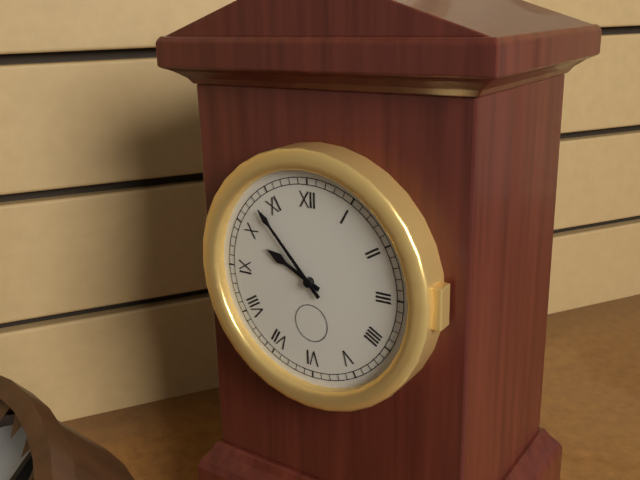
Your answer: 9,53
